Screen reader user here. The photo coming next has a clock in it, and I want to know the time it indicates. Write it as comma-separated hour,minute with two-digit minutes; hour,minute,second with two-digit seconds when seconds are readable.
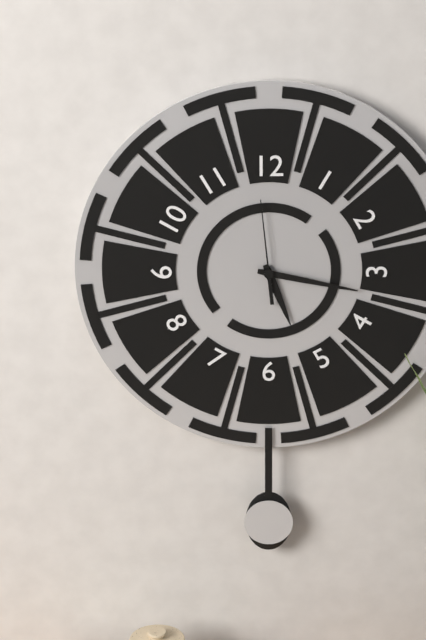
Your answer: 5,17,59
